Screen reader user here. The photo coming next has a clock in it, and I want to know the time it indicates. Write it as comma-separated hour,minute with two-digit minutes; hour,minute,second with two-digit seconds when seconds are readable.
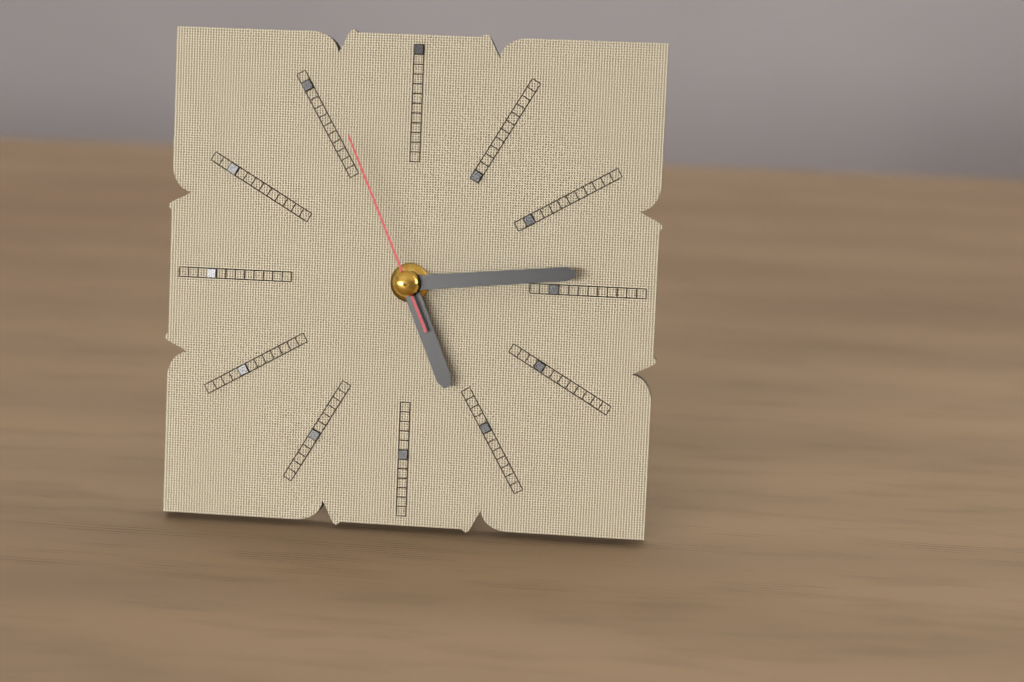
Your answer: 5,14,56
